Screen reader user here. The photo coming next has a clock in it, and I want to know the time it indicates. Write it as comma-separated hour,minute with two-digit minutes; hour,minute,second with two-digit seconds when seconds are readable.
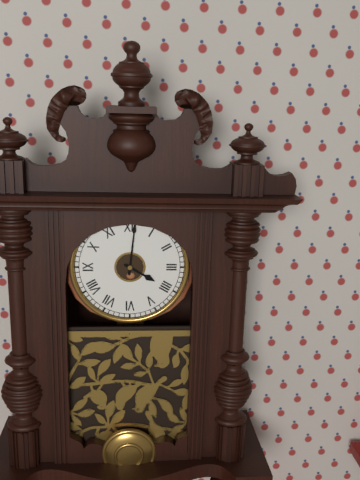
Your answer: 4,01
